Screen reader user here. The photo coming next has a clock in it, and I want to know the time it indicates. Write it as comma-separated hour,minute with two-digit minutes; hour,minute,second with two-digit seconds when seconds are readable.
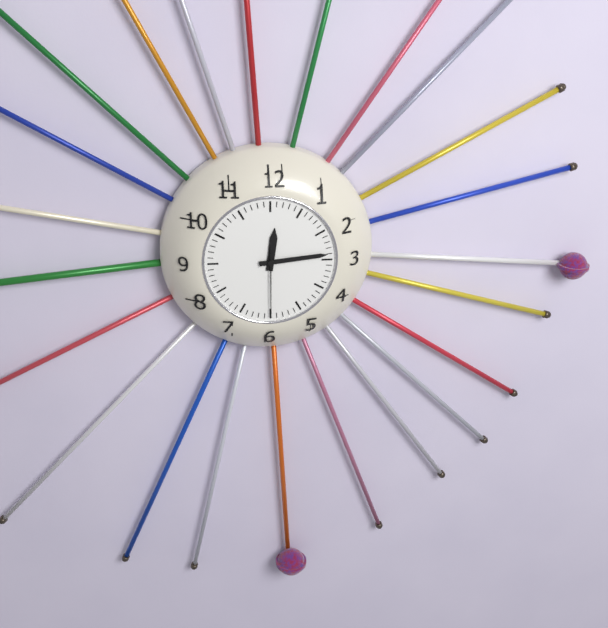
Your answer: 12,14,30
